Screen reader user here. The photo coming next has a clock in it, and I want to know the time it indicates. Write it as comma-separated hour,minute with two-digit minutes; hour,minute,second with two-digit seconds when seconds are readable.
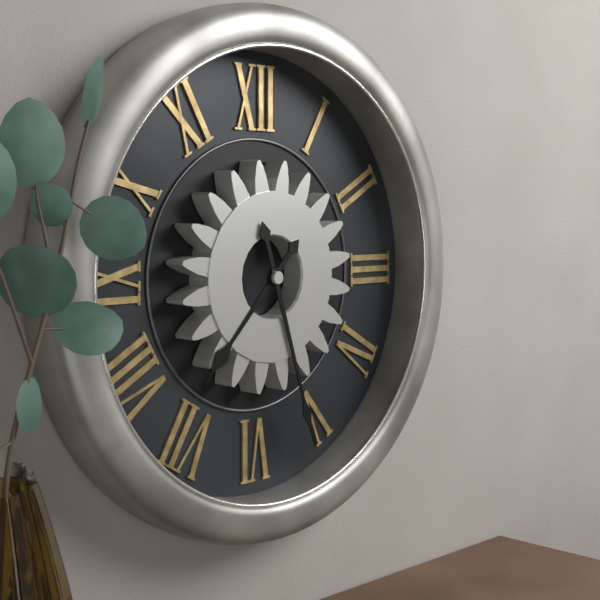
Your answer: 7,27
